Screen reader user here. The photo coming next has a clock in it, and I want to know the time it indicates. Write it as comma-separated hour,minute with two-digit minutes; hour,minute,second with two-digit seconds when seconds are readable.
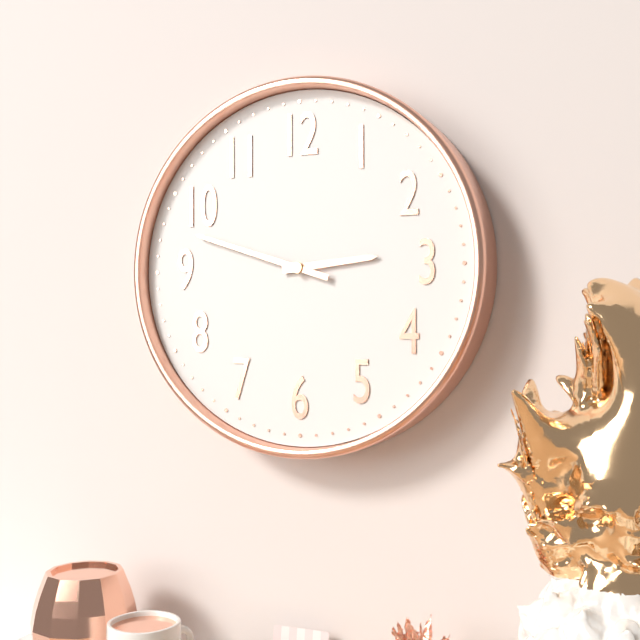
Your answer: 2,48
